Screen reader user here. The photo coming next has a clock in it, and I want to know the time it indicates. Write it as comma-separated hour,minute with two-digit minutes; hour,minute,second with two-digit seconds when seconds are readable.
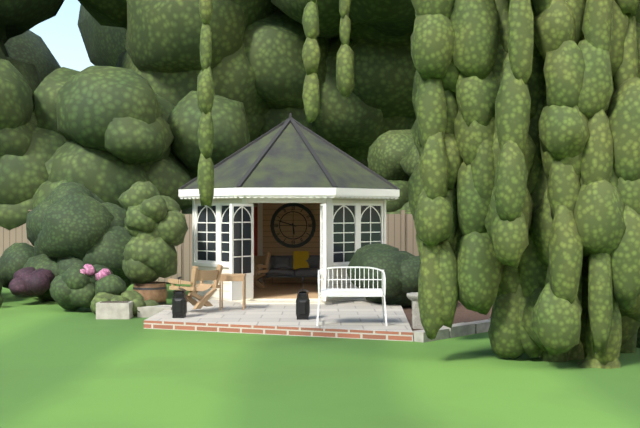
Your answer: 5,48
